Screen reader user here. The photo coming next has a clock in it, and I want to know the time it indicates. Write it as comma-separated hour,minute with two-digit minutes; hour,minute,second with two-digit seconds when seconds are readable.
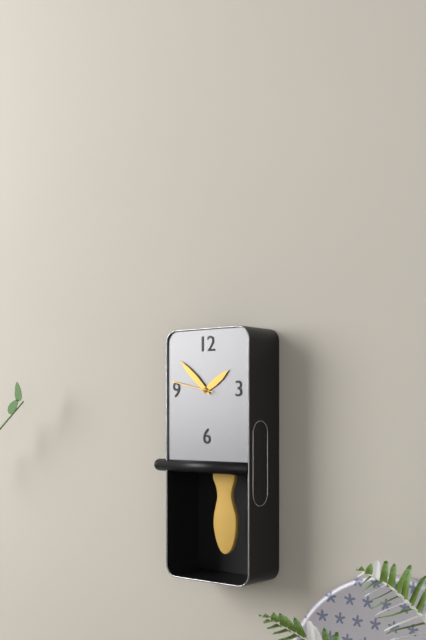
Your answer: 1,52,47
